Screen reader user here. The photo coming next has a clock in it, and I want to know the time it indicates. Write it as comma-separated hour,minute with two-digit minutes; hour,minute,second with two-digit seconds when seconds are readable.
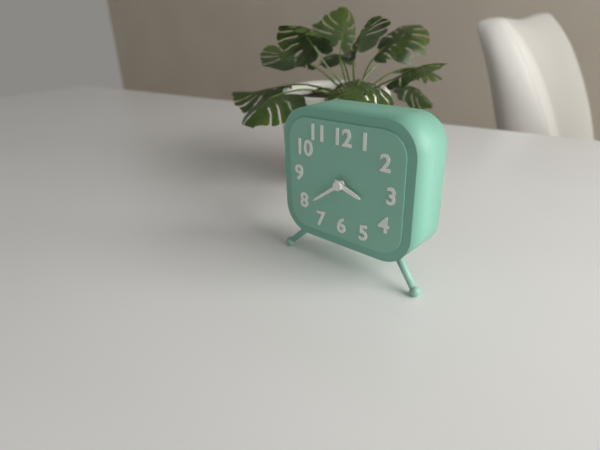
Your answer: 3,39
